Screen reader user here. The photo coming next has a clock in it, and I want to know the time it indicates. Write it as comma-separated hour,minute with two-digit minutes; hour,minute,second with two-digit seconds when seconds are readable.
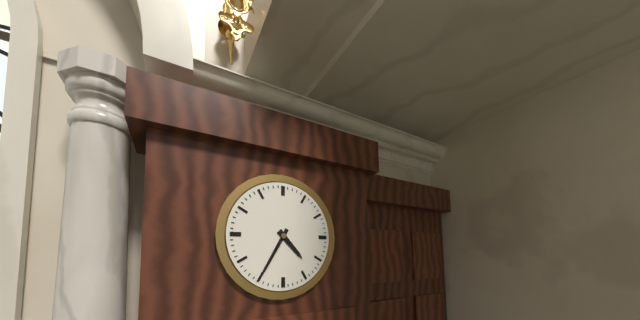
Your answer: 4,35
